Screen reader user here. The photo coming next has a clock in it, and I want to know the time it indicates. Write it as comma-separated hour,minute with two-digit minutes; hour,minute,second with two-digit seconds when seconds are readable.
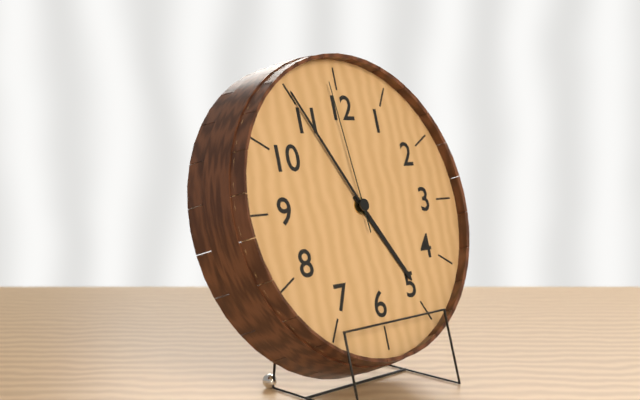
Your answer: 4,55,59
